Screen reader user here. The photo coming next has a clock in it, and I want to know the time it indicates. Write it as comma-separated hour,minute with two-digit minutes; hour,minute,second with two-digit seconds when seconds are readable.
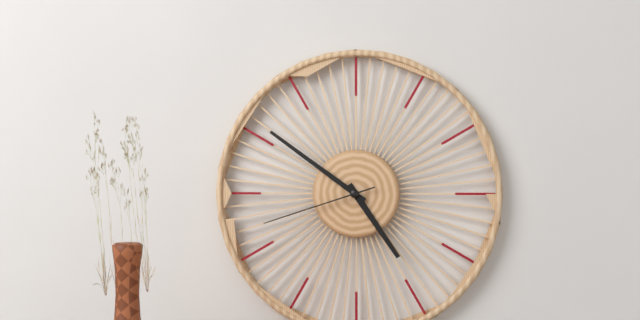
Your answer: 4,51,42
